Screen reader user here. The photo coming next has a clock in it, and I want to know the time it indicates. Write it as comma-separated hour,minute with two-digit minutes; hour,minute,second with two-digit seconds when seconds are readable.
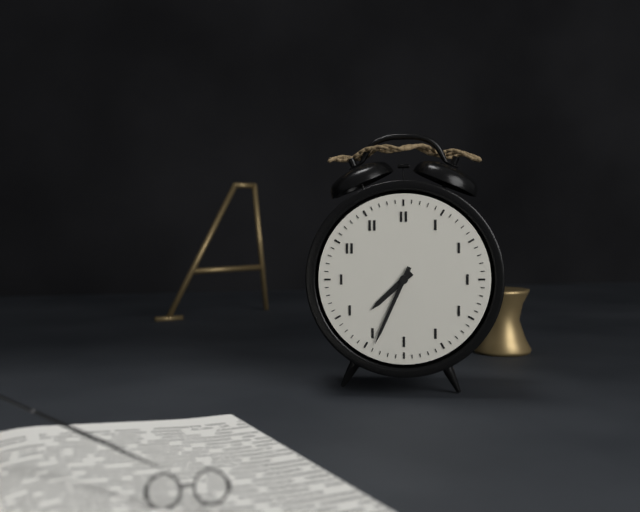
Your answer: 7,34
